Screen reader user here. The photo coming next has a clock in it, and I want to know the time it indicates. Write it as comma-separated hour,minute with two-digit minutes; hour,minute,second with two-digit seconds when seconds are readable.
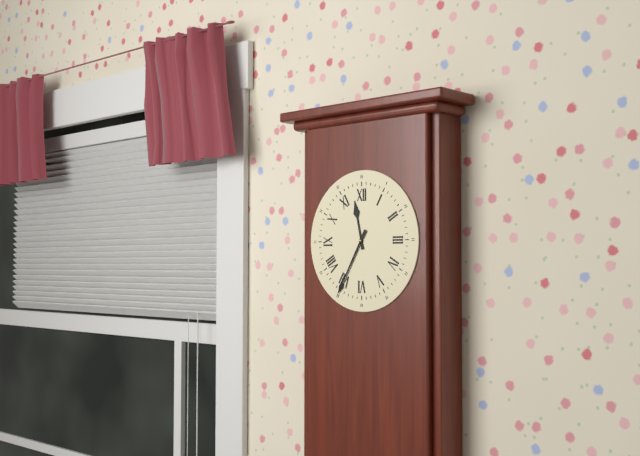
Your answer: 11,35
